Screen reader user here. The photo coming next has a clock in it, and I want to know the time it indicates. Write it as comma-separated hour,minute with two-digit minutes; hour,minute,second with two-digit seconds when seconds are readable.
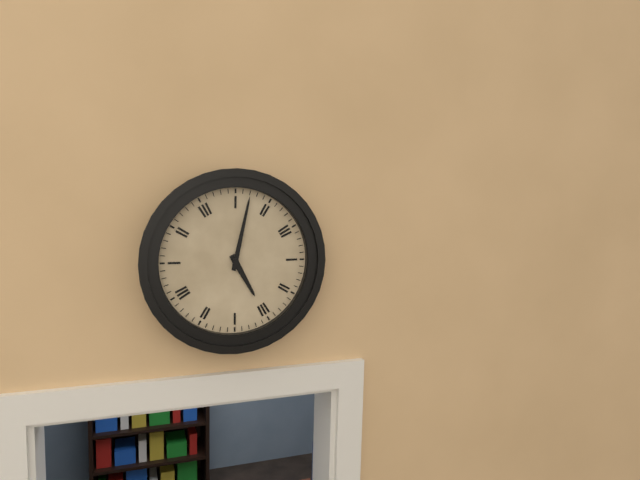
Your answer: 5,02
